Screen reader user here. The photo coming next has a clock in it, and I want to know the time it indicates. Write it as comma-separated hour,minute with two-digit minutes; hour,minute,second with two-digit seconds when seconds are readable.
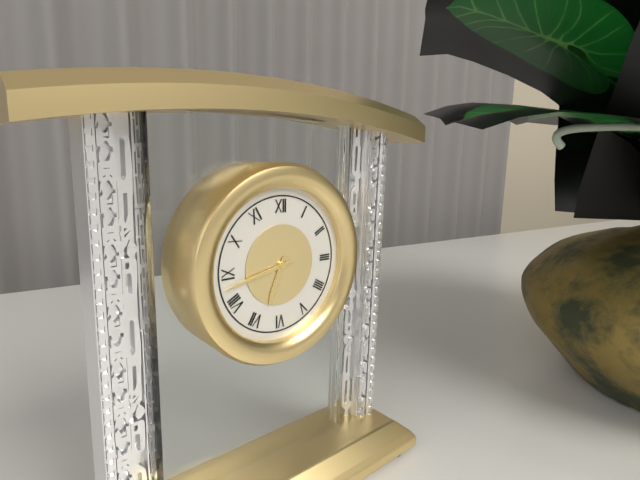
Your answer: 6,43
